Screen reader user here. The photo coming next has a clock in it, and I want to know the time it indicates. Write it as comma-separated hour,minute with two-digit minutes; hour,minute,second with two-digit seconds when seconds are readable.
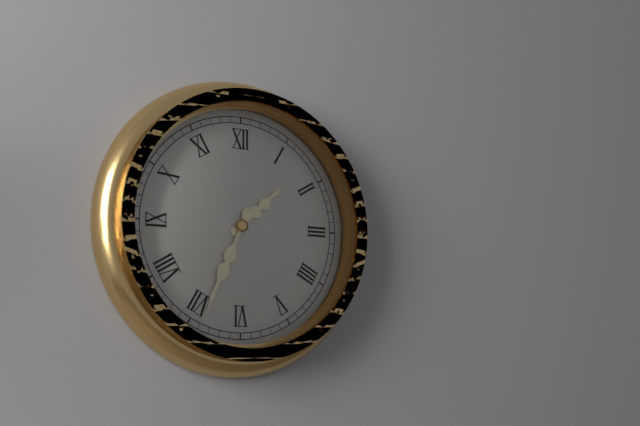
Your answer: 1,34
